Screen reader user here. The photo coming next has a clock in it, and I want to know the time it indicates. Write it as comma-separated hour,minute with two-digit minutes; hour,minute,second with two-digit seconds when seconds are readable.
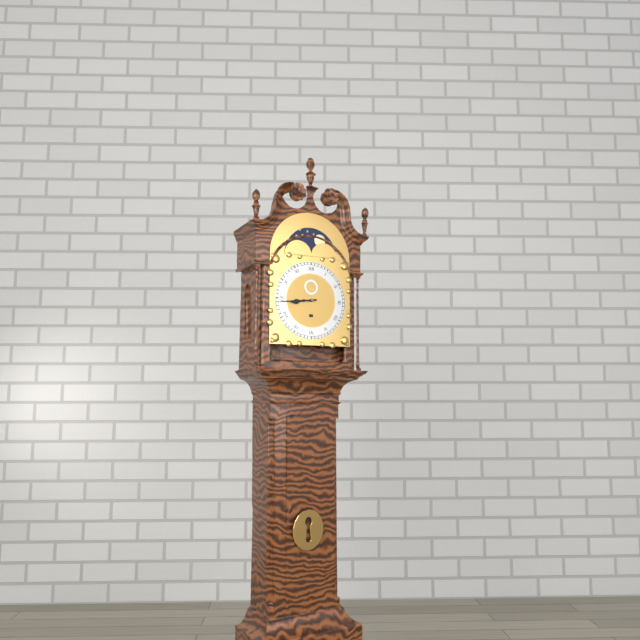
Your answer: 8,44
